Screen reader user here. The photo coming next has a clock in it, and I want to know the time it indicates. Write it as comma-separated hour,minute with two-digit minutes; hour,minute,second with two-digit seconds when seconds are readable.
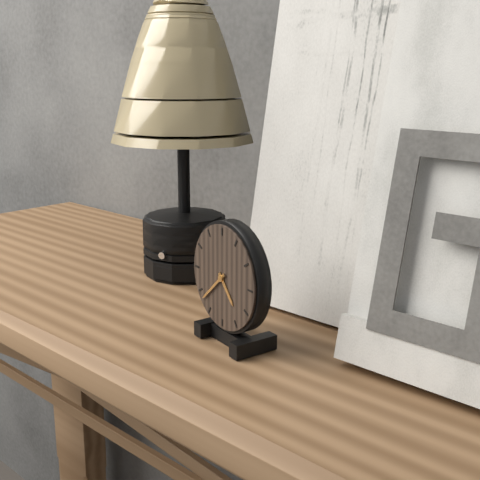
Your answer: 4,38
